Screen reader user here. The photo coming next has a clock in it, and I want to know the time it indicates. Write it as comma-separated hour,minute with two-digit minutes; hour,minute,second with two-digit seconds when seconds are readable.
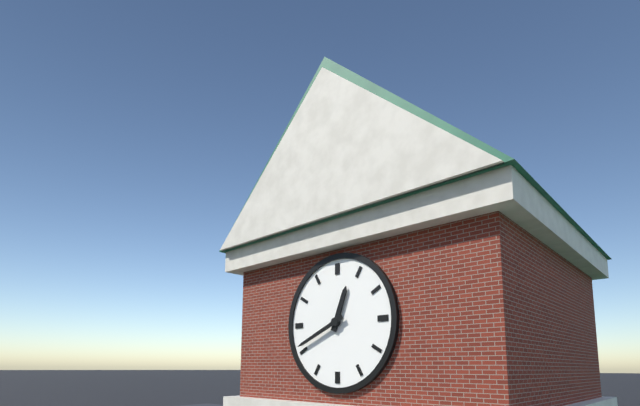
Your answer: 12,41
